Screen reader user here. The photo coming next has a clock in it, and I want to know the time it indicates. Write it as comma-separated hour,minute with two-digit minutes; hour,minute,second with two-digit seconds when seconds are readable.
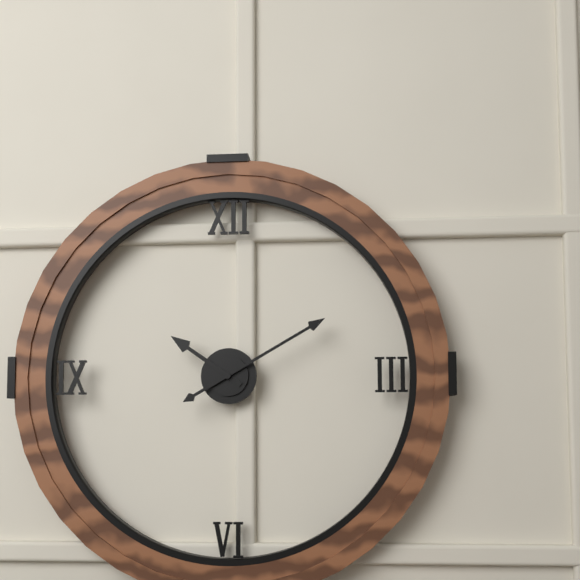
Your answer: 10,10
